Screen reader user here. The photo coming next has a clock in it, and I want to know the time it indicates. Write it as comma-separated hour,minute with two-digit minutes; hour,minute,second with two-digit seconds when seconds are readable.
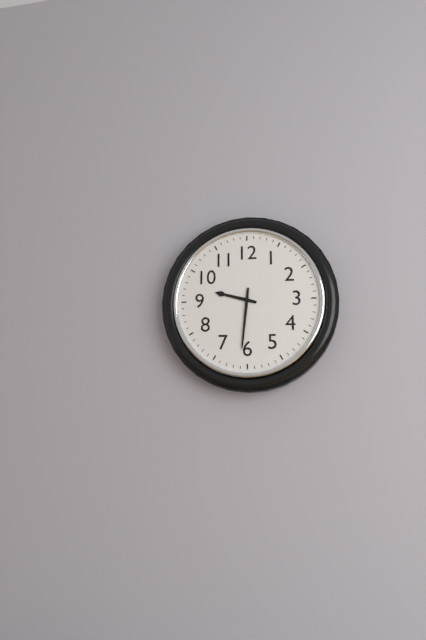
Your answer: 9,31
